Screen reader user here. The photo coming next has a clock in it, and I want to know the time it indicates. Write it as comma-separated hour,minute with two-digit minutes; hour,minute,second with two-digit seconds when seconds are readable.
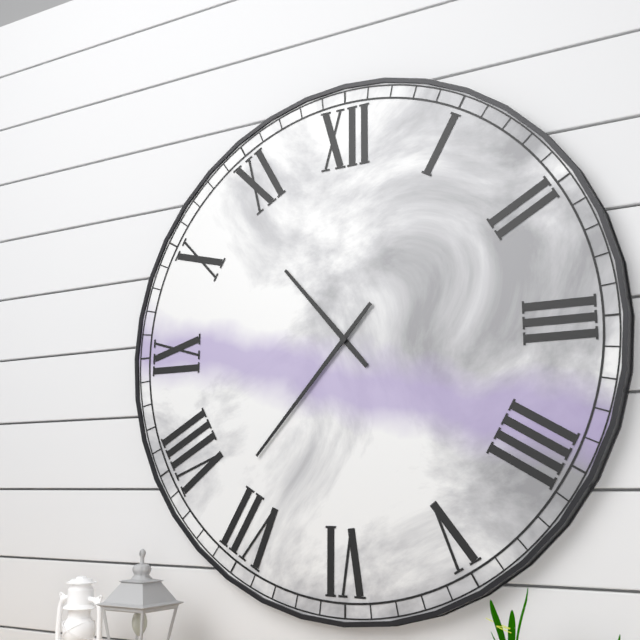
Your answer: 10,37
